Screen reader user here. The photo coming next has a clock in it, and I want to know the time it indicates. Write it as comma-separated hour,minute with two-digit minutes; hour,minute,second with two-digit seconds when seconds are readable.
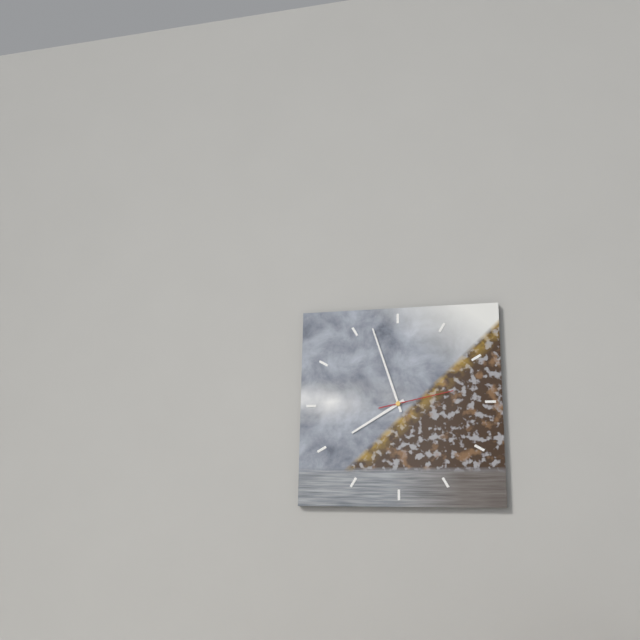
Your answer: 7,57,13
